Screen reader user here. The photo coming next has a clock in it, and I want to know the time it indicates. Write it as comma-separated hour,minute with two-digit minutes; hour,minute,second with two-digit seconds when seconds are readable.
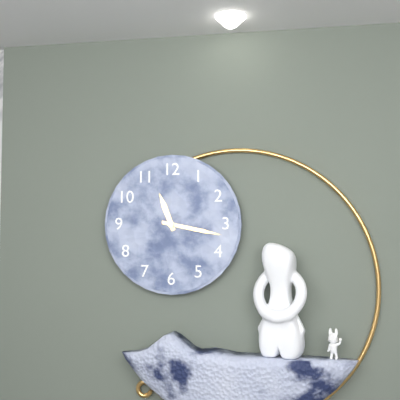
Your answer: 11,17
